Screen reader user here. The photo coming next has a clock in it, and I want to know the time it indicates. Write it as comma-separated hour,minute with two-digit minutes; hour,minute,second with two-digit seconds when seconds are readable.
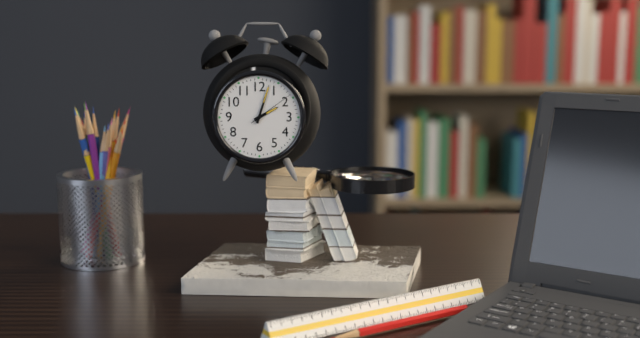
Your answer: 2,03
